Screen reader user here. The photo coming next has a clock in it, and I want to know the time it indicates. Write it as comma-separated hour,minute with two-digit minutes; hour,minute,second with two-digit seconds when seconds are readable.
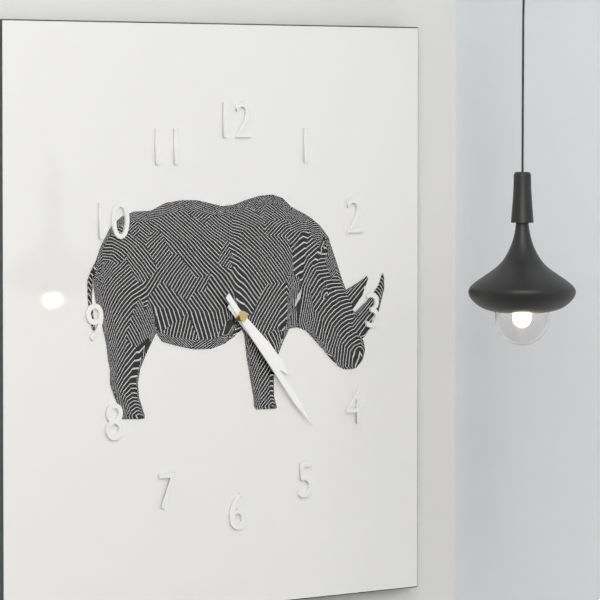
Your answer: 4,23
